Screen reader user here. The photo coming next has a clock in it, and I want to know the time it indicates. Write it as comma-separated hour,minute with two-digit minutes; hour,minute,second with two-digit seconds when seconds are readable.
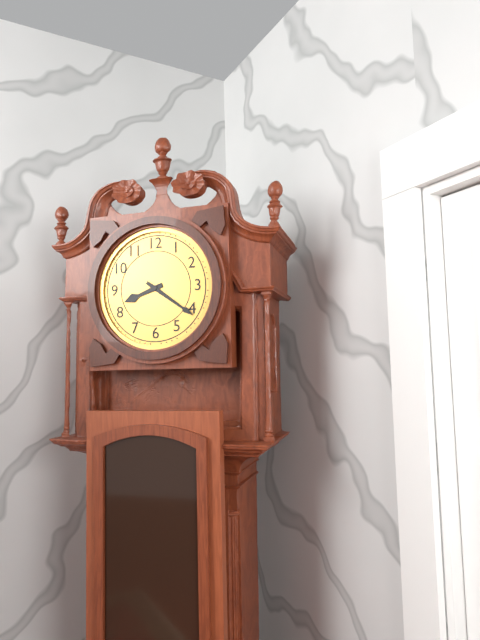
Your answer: 8,21
